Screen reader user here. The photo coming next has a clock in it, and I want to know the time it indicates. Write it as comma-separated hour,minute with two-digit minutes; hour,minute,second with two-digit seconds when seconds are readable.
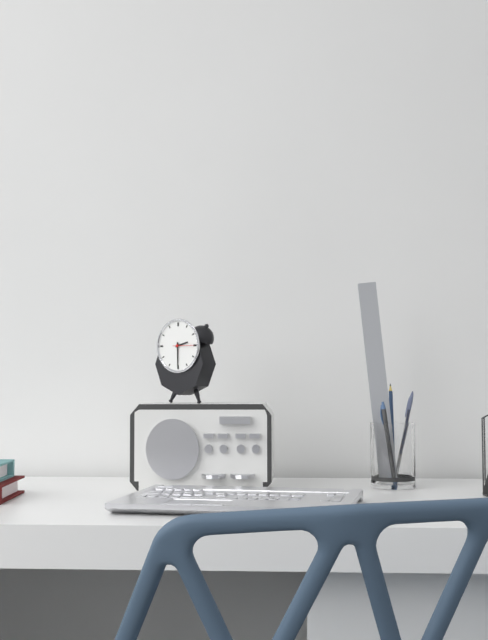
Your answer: 2,30
